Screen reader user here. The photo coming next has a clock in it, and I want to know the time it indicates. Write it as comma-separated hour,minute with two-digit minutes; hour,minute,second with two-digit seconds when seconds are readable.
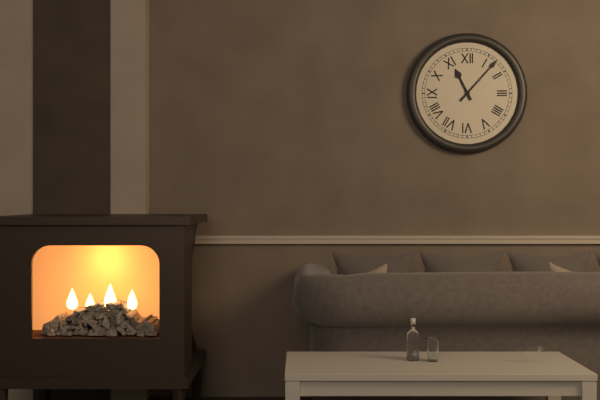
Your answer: 11,07
